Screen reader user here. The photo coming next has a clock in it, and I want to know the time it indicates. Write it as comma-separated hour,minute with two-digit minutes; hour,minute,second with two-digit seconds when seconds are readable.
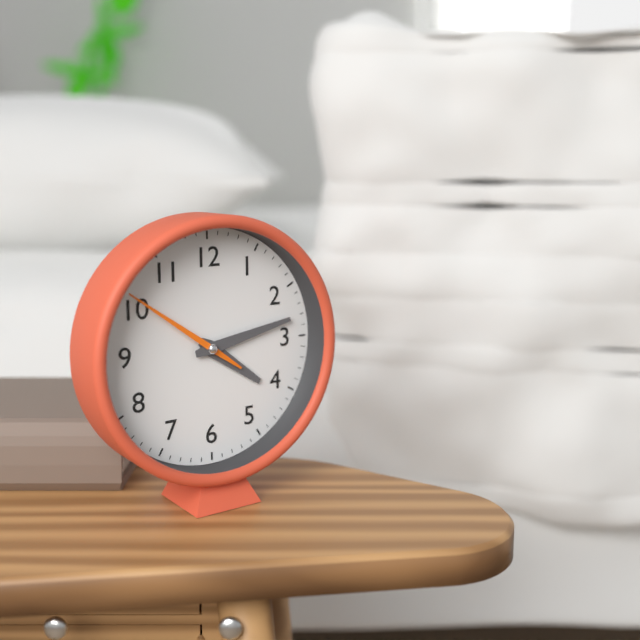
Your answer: 4,13,51
